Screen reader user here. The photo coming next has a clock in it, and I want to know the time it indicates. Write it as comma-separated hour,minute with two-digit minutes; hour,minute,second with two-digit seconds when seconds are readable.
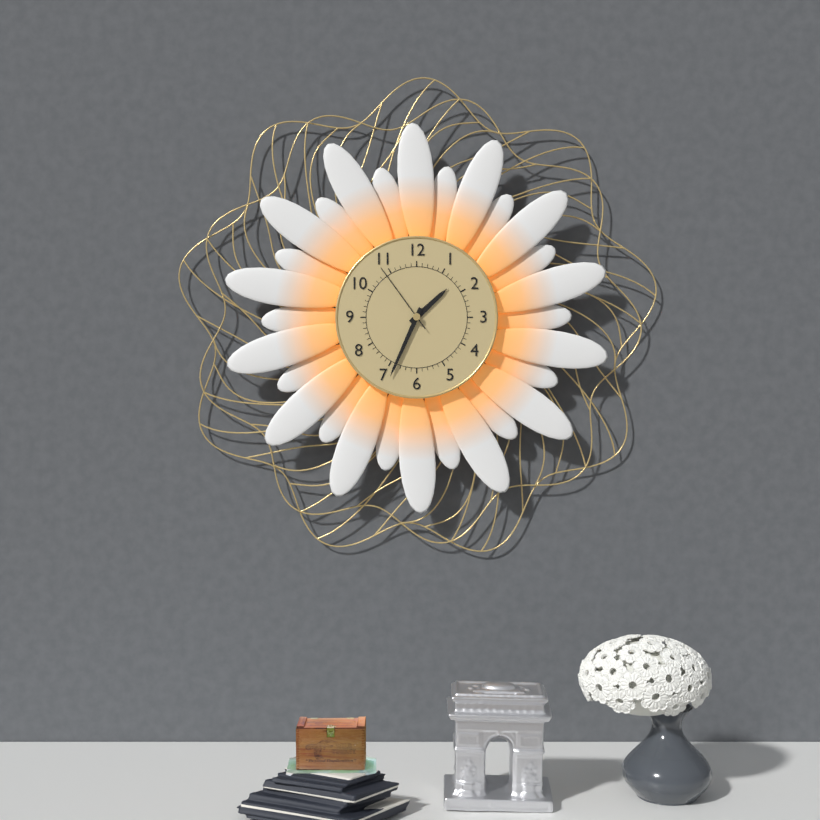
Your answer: 1,34,54
